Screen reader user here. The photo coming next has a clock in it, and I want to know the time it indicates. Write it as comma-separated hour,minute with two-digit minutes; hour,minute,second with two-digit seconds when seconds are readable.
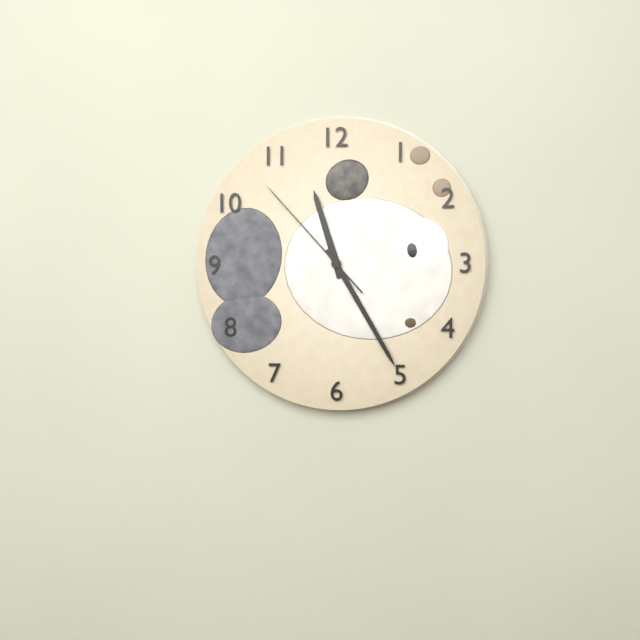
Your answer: 11,25,53
